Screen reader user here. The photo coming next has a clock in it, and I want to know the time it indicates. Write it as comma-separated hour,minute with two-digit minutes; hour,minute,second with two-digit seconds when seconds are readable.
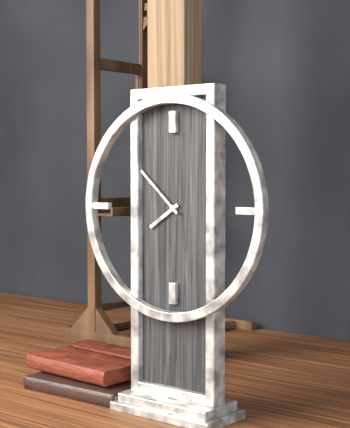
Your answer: 7,52
